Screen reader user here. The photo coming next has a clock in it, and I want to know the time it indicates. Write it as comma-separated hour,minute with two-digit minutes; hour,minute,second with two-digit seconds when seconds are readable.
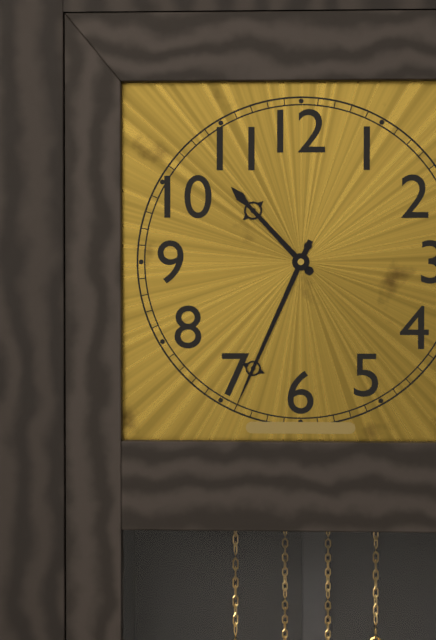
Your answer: 10,34
